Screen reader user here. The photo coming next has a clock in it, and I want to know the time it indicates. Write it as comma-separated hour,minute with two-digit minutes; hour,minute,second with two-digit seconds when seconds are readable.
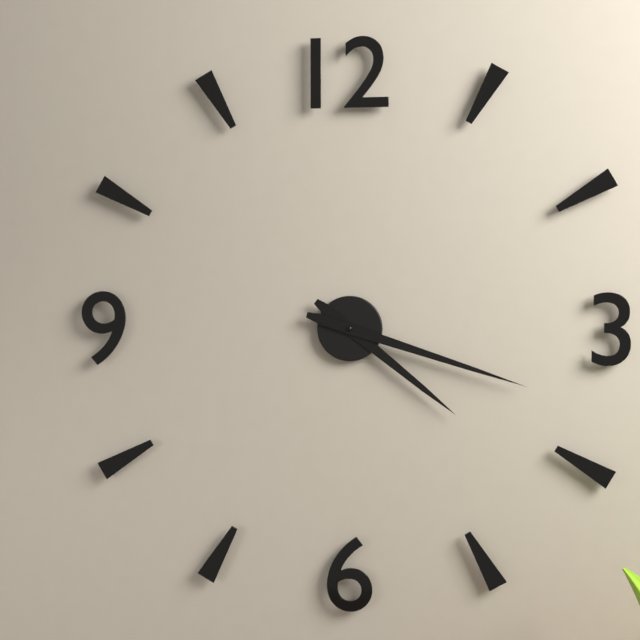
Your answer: 4,18
